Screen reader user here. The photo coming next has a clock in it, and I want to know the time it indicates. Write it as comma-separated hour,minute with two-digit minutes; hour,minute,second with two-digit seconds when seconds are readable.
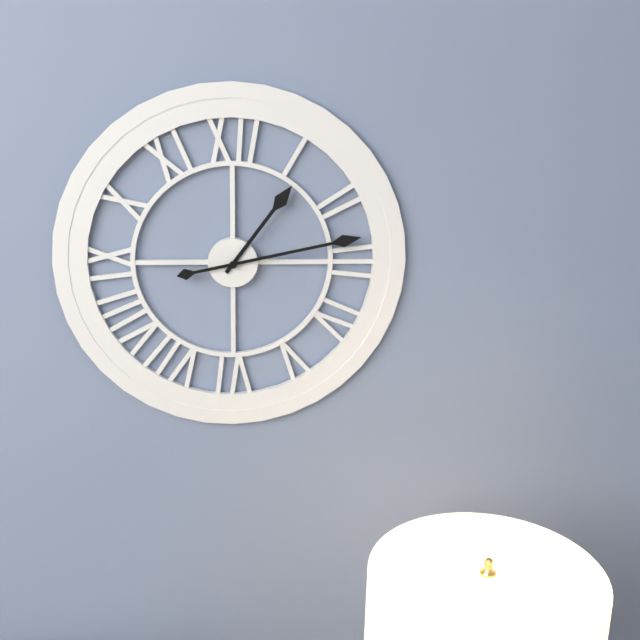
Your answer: 1,13
